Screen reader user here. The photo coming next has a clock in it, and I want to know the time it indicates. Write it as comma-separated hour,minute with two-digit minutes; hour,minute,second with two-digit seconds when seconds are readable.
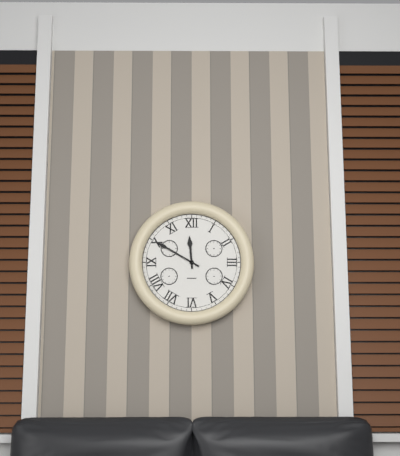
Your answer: 11,50
